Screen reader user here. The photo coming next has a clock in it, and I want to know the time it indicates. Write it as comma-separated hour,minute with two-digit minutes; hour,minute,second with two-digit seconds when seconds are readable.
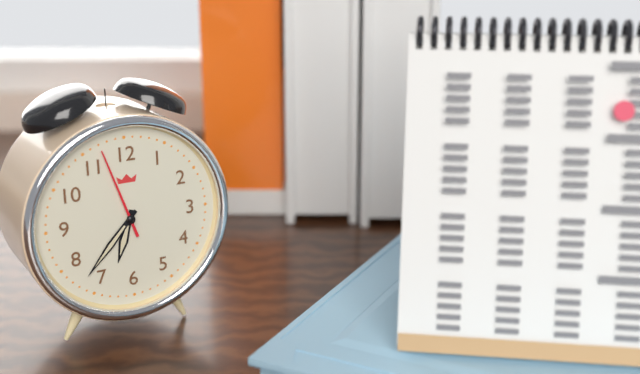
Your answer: 6,37,57
